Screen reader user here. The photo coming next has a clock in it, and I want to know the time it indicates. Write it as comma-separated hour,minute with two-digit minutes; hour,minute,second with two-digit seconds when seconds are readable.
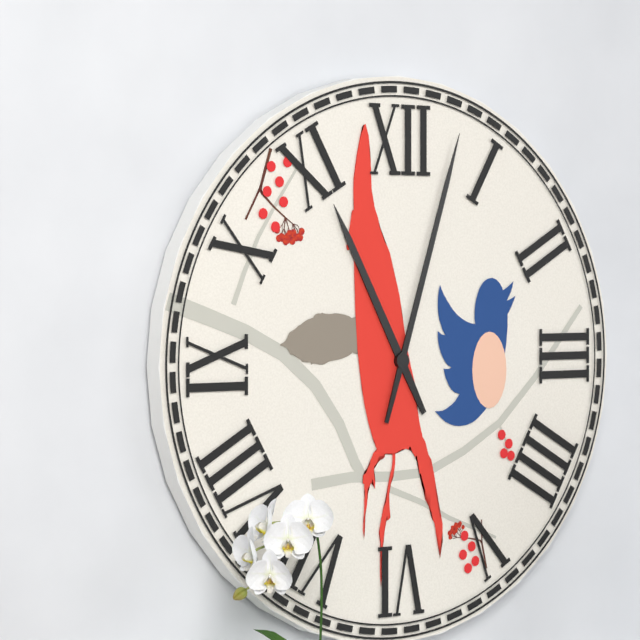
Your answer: 11,03
